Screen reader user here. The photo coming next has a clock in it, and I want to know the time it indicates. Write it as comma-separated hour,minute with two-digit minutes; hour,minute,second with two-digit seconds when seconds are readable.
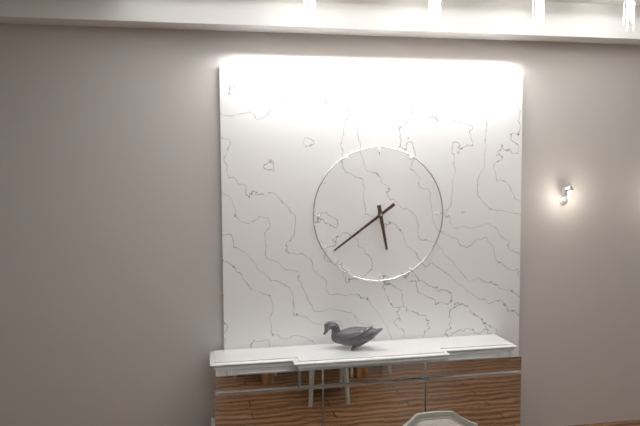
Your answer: 5,39
